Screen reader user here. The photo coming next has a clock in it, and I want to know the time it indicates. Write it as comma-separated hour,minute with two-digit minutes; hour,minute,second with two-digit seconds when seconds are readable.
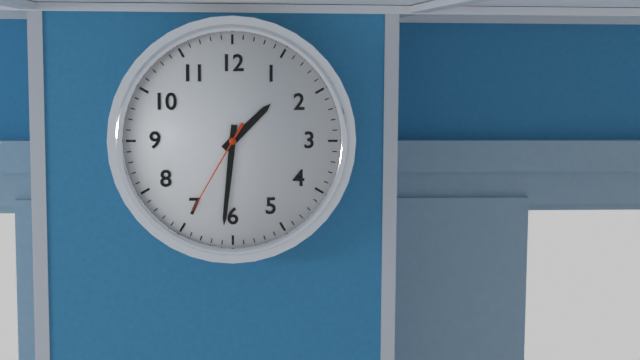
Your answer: 1,31,35
